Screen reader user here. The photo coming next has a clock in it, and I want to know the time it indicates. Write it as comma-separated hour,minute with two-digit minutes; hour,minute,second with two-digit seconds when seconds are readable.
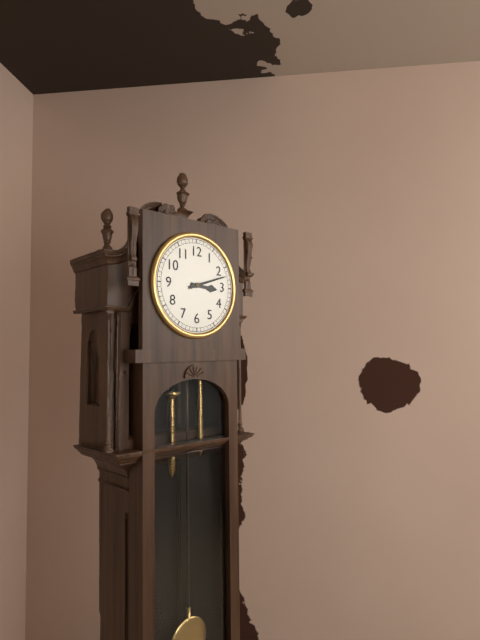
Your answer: 3,12
